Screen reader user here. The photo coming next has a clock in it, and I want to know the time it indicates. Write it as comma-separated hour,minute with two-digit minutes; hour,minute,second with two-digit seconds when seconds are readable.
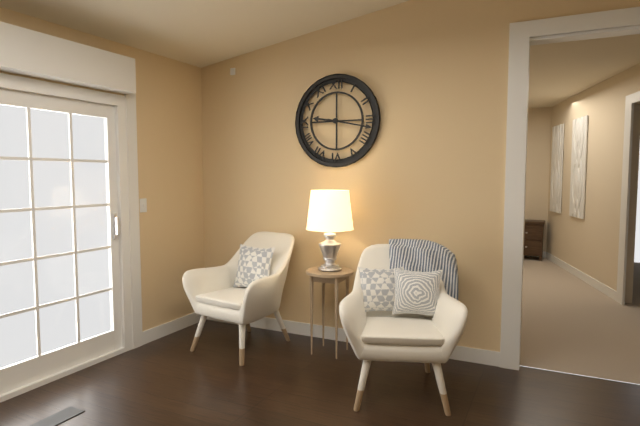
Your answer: 9,17
